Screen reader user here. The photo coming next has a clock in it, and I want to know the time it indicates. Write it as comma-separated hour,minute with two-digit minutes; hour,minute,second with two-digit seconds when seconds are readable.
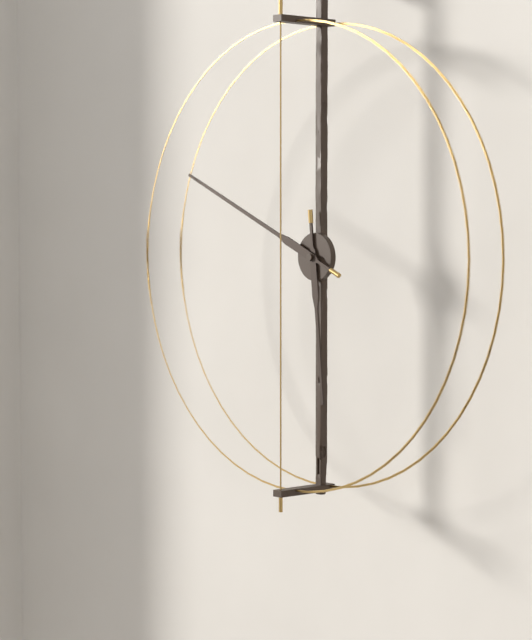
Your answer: 5,49
